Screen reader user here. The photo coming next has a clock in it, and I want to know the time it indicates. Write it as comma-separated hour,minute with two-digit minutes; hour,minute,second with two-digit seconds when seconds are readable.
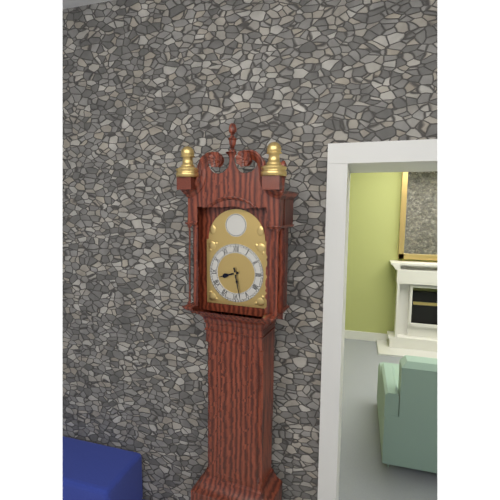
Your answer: 8,28
